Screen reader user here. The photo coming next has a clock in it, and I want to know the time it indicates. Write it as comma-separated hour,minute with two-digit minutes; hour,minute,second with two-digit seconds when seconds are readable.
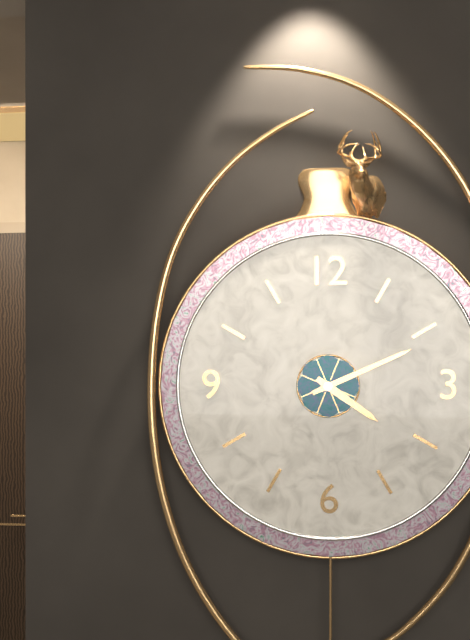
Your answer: 4,11
